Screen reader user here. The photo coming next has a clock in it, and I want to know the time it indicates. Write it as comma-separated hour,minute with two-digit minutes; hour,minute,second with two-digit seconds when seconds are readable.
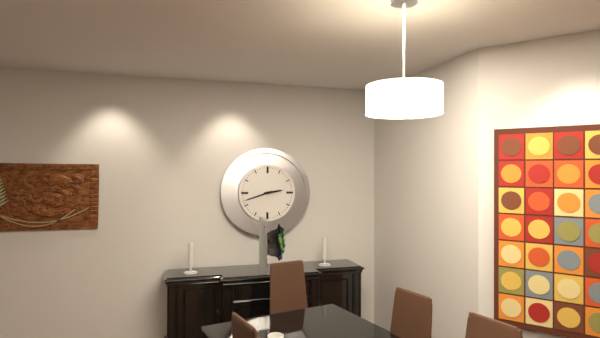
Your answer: 2,42
